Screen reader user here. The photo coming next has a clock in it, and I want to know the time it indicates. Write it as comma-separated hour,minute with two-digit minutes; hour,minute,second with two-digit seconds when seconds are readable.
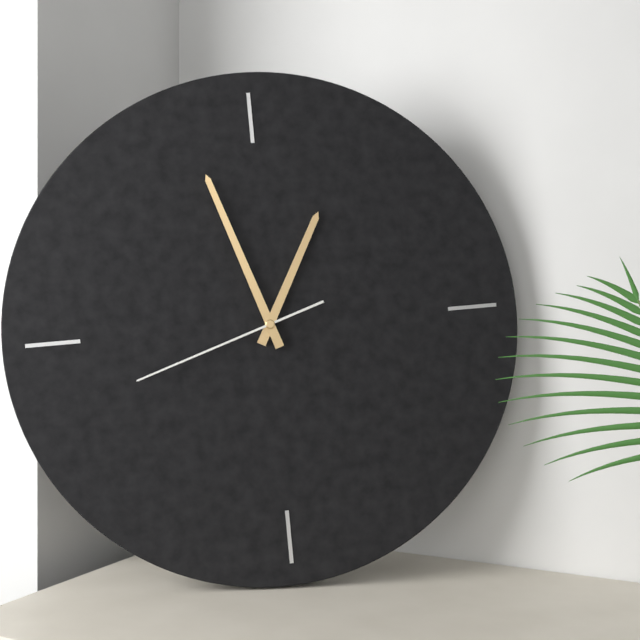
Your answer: 12,57,42
